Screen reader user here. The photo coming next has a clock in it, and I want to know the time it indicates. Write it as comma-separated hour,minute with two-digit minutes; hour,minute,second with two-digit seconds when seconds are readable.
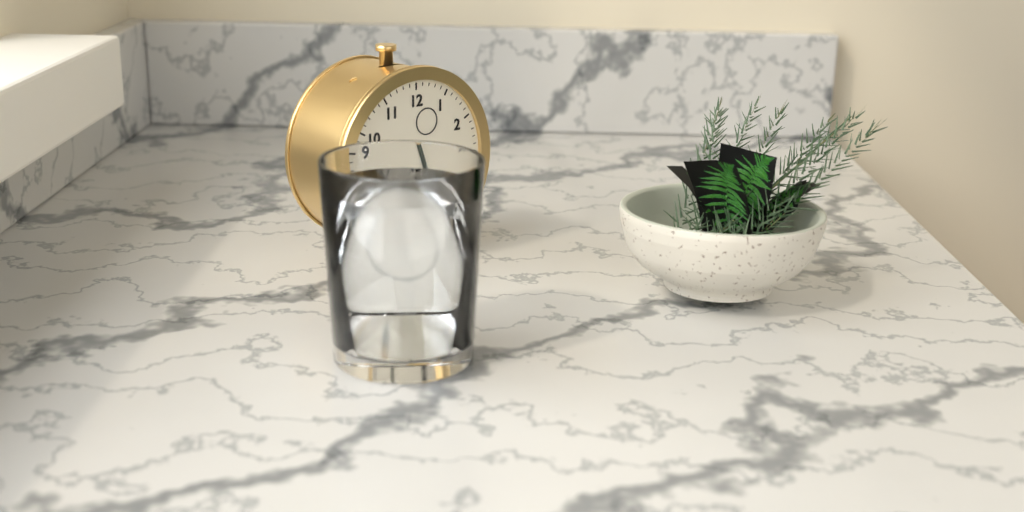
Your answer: 5,27
